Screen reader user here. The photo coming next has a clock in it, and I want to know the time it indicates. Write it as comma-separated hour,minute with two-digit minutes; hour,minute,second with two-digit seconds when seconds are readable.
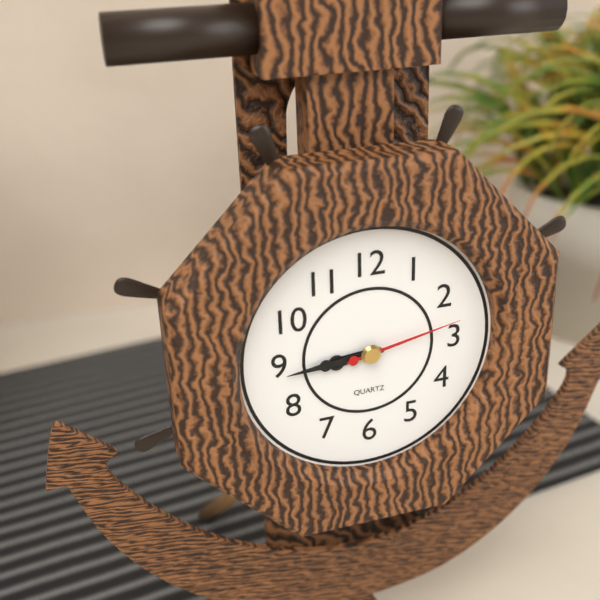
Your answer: 8,44,13
